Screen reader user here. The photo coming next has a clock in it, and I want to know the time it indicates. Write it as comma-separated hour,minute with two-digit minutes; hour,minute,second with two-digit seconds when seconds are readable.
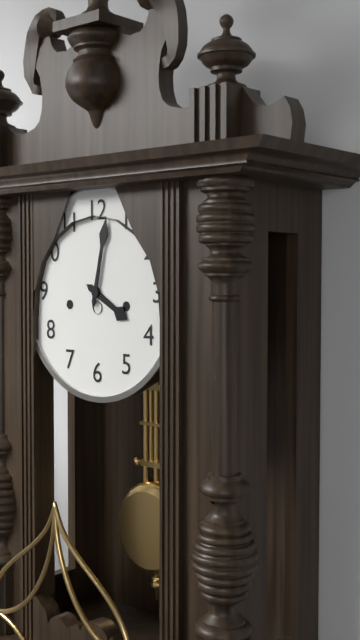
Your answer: 4,02
